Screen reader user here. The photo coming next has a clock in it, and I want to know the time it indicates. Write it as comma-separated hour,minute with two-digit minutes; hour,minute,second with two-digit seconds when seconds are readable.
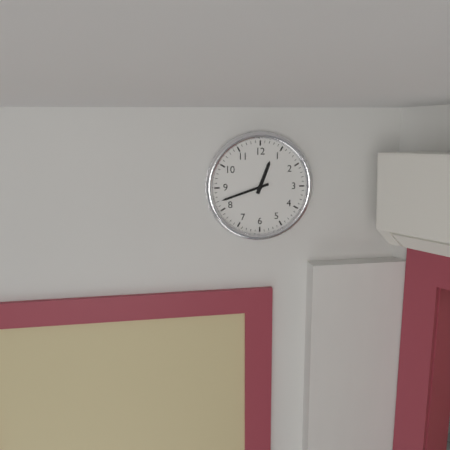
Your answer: 12,42
